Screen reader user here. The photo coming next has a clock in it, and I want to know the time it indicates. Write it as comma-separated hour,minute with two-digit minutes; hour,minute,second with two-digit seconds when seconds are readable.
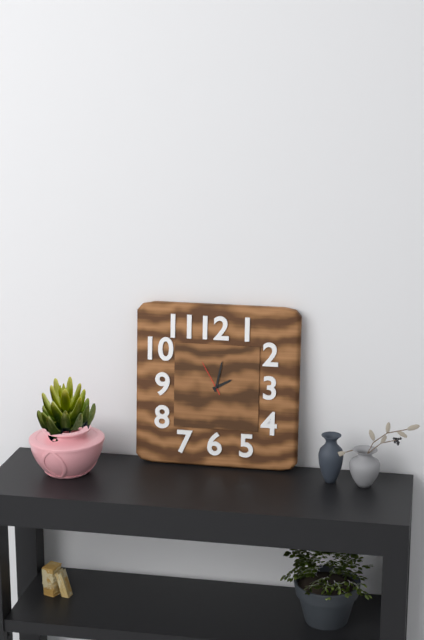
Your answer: 2,02
